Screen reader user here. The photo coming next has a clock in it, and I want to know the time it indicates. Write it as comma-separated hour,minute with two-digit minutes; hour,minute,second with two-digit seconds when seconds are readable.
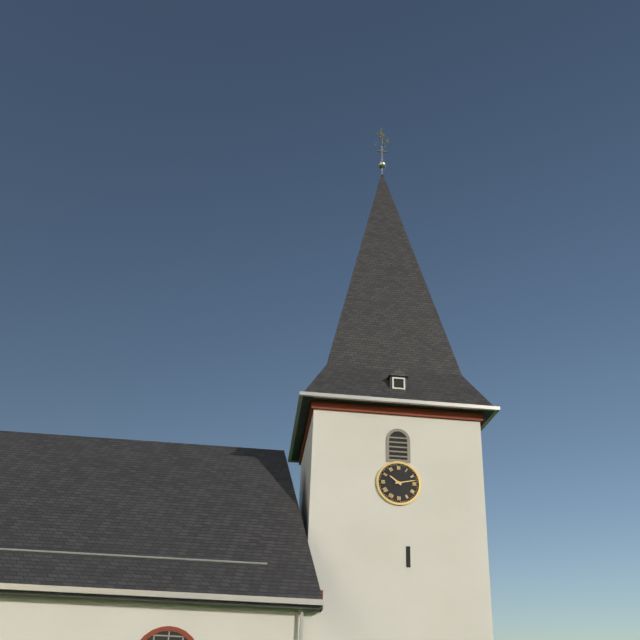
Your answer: 10,13
